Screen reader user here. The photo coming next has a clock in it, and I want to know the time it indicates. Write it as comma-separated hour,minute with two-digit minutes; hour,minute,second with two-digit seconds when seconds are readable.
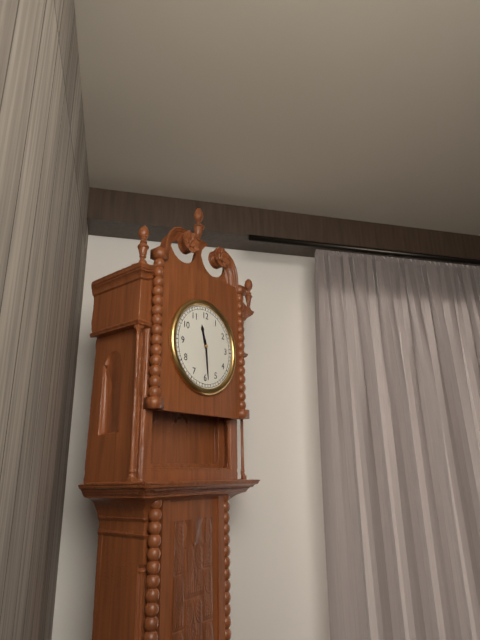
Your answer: 11,29
